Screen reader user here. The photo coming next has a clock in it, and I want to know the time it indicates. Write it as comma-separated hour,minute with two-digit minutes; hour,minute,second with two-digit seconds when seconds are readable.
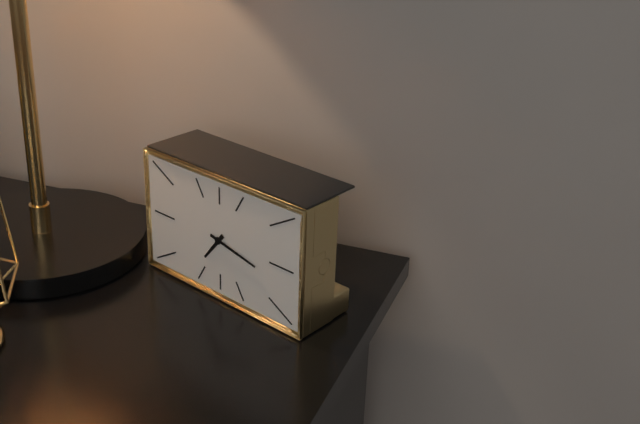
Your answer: 7,17
